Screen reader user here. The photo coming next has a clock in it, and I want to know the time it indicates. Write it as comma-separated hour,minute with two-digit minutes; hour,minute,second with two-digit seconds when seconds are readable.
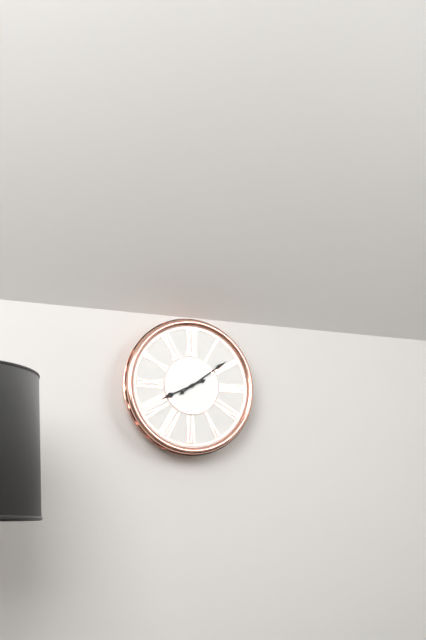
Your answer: 8,09
